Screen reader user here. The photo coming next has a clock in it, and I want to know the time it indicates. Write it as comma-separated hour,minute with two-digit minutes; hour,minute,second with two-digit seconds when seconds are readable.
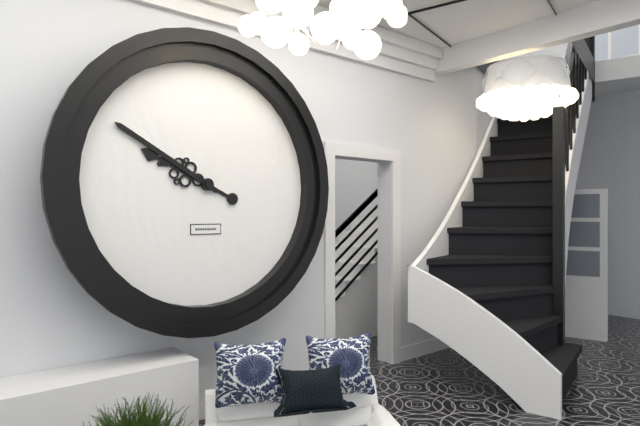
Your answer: 9,50
